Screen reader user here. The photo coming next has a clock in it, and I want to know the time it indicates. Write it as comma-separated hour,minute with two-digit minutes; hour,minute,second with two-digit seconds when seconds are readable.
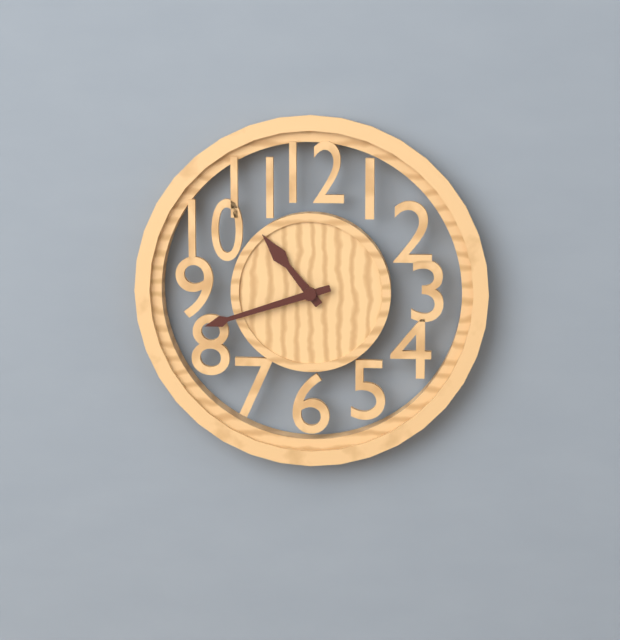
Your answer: 10,42
